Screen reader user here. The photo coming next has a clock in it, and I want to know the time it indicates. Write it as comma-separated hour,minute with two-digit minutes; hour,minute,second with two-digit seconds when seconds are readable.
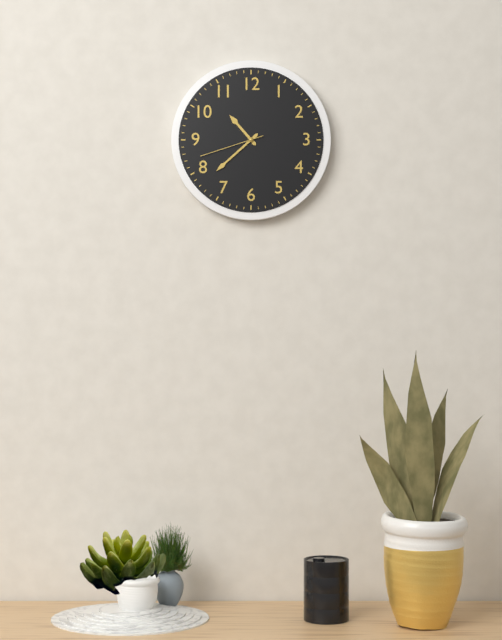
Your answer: 10,38,42
